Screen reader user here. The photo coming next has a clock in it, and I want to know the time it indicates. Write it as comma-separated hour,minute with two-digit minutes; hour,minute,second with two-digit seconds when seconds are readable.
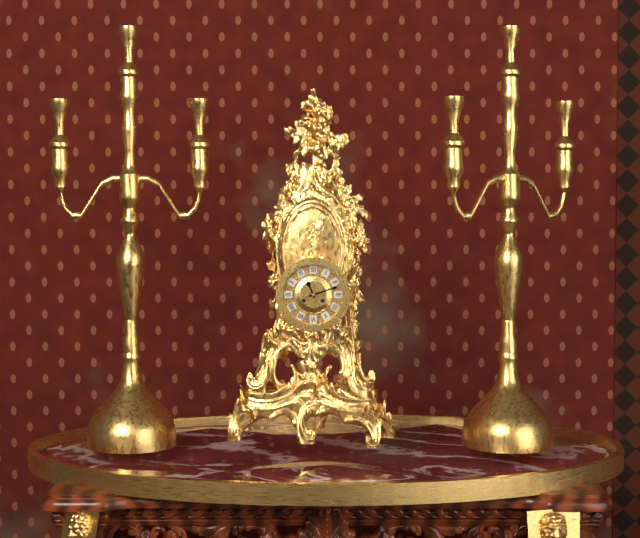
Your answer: 11,12
